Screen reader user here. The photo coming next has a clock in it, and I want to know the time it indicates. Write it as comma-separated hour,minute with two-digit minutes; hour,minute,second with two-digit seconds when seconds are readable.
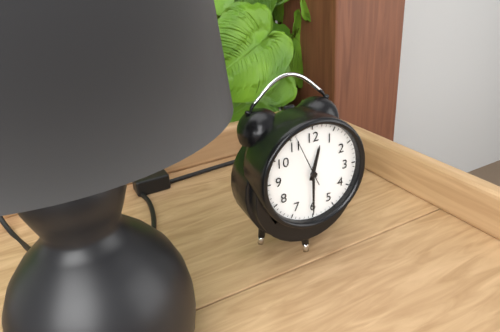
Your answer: 12,30,56
